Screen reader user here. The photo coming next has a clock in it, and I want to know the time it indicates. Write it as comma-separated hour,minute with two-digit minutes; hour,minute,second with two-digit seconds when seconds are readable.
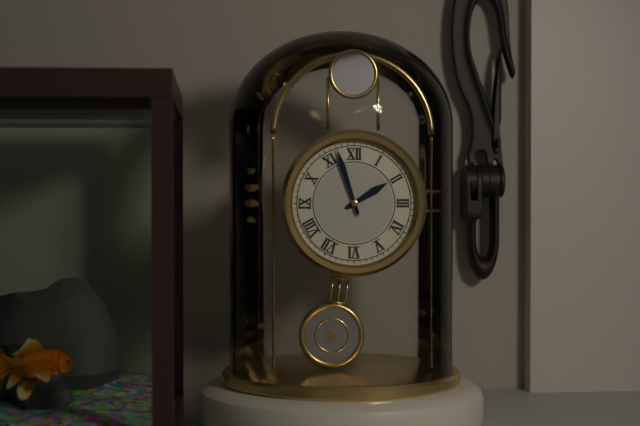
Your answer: 1,57
